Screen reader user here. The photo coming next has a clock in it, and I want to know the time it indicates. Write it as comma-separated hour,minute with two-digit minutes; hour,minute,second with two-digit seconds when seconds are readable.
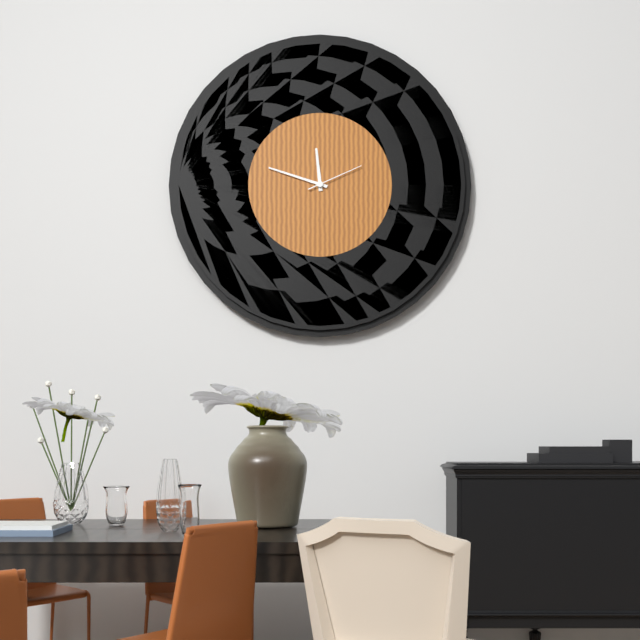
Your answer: 11,48,11
